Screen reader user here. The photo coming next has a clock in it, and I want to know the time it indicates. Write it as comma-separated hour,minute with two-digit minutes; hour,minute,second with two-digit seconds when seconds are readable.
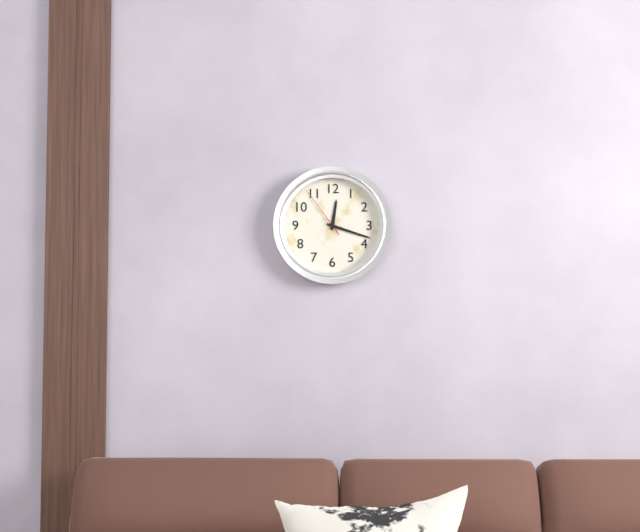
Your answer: 12,18,54
